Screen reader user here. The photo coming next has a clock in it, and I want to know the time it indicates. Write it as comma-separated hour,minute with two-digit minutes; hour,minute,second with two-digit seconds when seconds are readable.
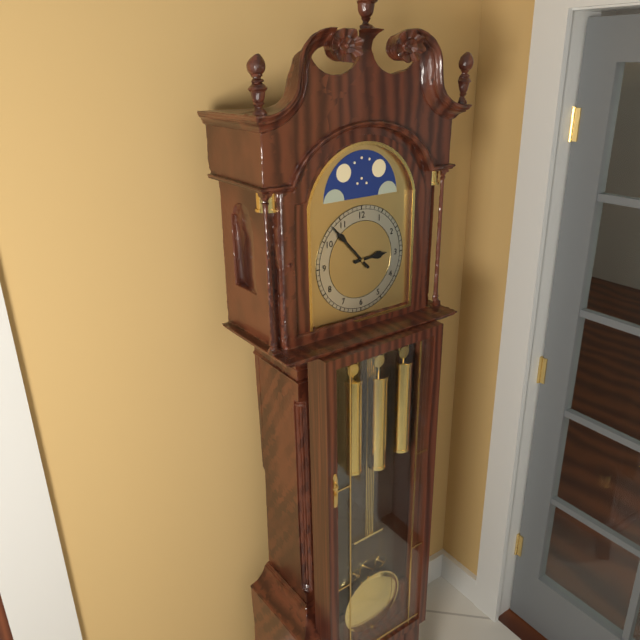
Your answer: 2,53
